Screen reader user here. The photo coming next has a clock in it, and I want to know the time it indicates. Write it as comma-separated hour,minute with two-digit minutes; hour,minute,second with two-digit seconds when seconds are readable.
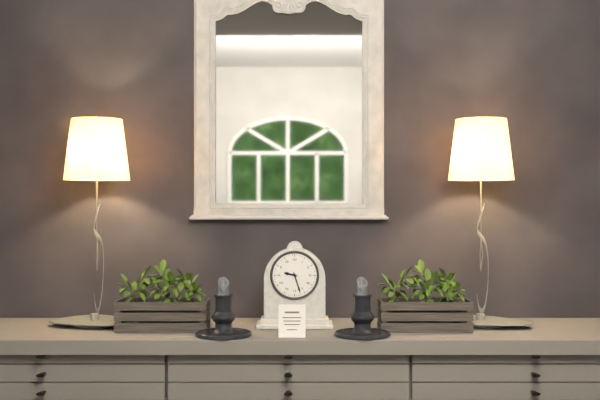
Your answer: 9,27
